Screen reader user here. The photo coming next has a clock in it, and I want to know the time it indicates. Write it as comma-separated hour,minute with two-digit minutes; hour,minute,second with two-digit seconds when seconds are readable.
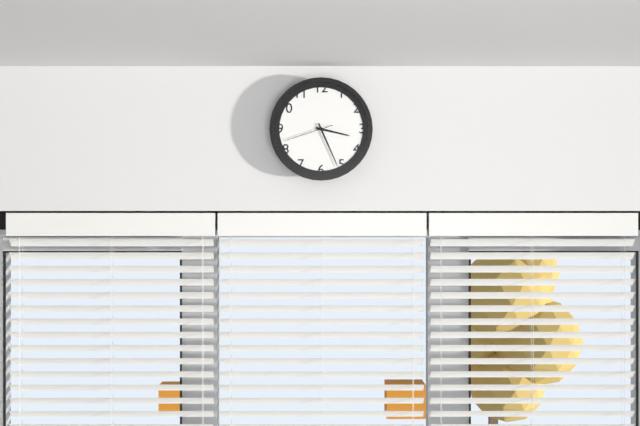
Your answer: 3,26,42
